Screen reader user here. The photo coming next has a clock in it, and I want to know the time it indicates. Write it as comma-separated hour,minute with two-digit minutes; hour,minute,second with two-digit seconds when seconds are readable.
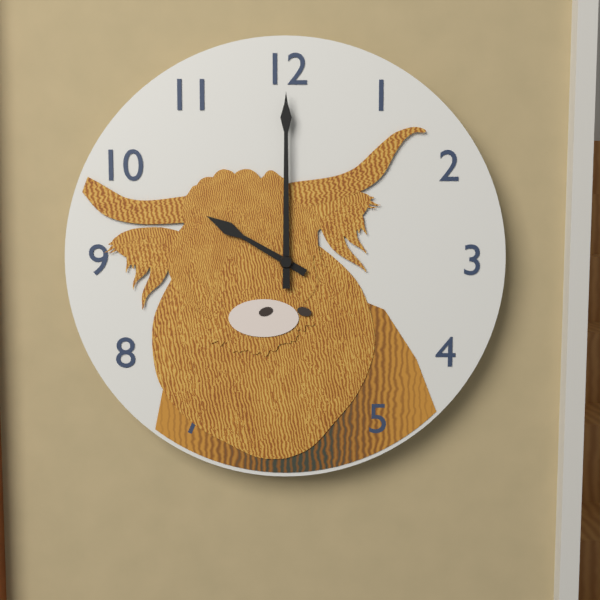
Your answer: 10,00
